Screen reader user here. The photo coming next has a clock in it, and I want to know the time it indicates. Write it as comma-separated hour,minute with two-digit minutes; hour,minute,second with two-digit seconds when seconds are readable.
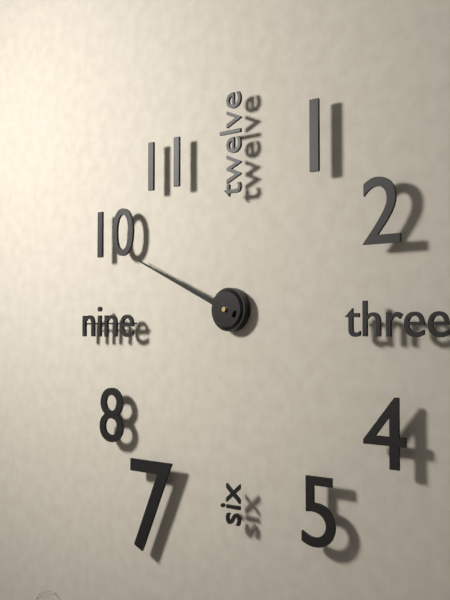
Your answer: 9,49
